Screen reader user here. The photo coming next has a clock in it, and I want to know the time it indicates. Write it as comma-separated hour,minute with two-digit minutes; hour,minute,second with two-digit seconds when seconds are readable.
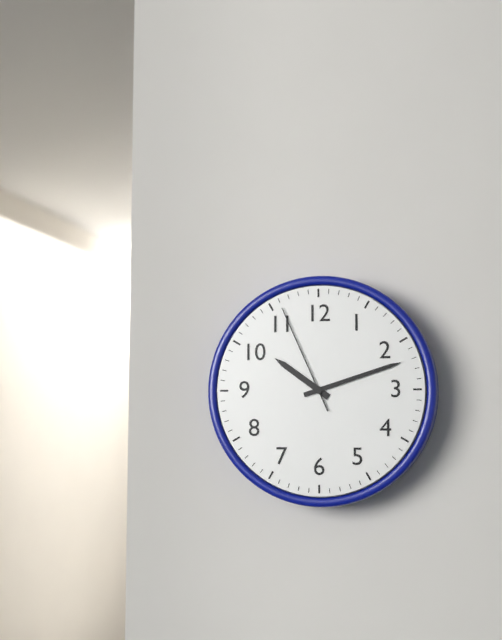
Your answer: 10,12,56
